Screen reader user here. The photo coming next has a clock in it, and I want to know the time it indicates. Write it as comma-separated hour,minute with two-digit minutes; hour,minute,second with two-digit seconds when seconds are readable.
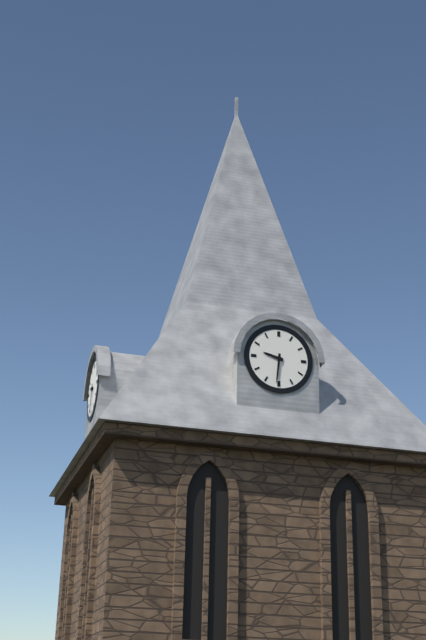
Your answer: 9,31
